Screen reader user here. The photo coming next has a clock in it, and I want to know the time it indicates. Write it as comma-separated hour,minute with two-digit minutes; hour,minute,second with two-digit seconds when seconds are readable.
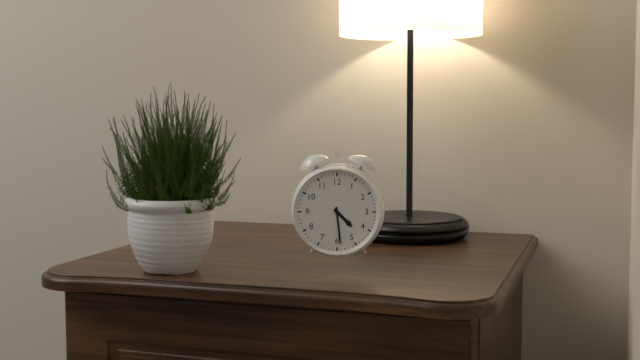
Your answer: 4,29
